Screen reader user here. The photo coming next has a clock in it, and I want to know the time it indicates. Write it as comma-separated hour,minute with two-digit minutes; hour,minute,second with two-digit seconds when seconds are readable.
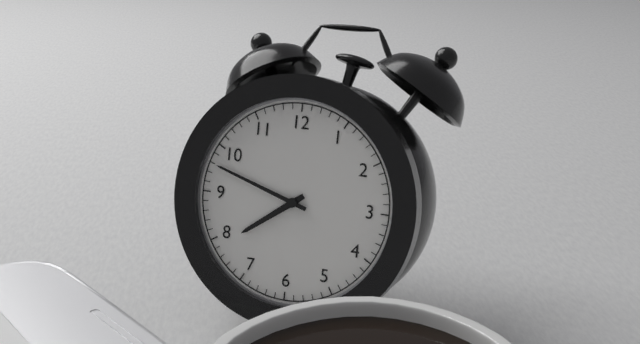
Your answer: 7,48
